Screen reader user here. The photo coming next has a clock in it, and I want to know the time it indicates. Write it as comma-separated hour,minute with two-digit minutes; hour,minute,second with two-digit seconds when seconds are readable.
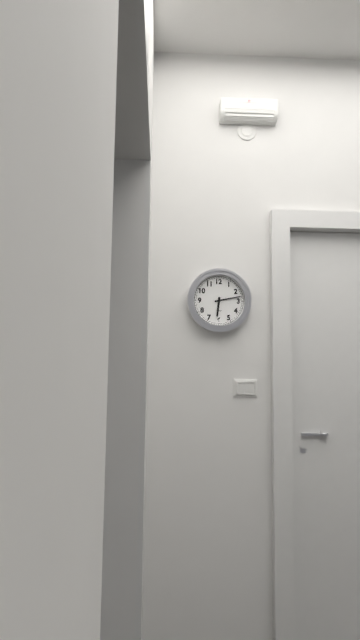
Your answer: 6,13
